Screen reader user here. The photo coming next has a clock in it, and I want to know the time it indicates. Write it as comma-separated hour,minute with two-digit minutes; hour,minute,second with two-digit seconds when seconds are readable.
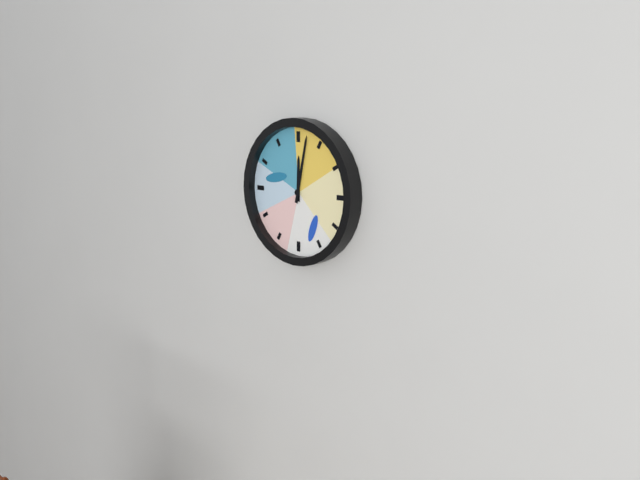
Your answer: 12,02
